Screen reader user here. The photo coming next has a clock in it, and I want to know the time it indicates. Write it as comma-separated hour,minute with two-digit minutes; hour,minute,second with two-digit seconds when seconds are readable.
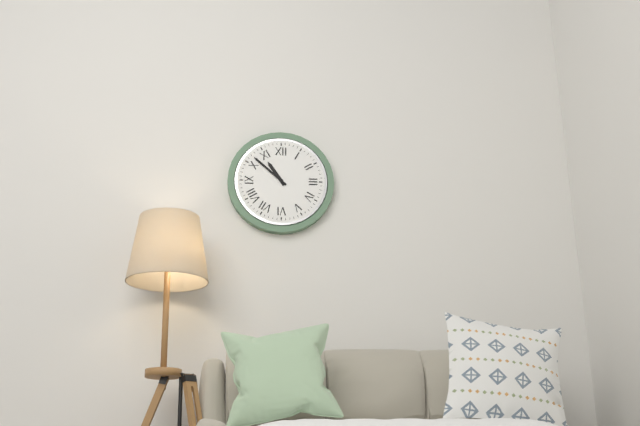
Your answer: 10,52
